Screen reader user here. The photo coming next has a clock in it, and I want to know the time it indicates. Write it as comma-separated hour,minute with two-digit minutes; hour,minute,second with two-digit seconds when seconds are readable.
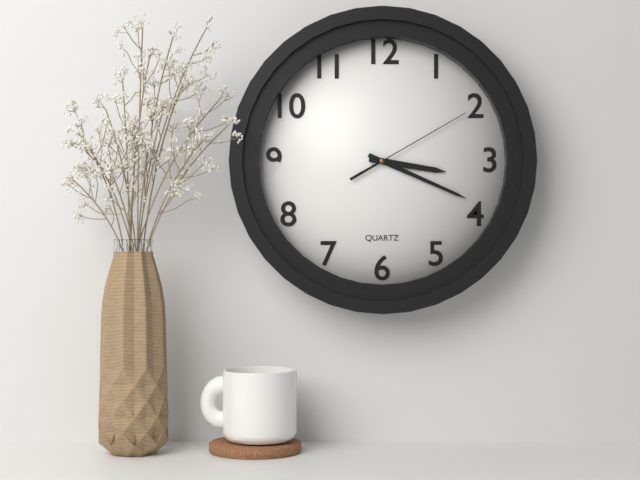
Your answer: 3,19,10
